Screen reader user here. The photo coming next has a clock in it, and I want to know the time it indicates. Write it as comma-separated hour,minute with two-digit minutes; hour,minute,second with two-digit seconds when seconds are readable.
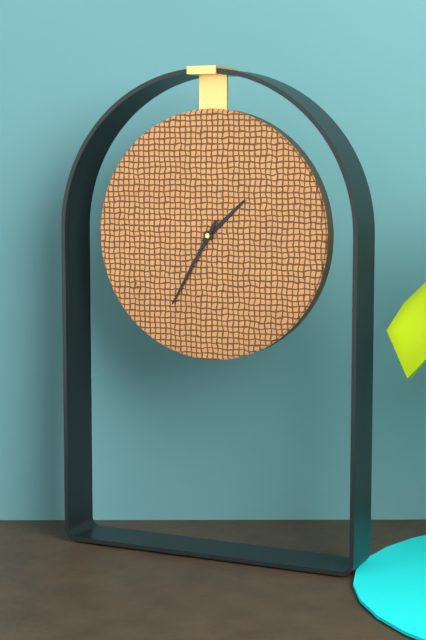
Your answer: 1,35
